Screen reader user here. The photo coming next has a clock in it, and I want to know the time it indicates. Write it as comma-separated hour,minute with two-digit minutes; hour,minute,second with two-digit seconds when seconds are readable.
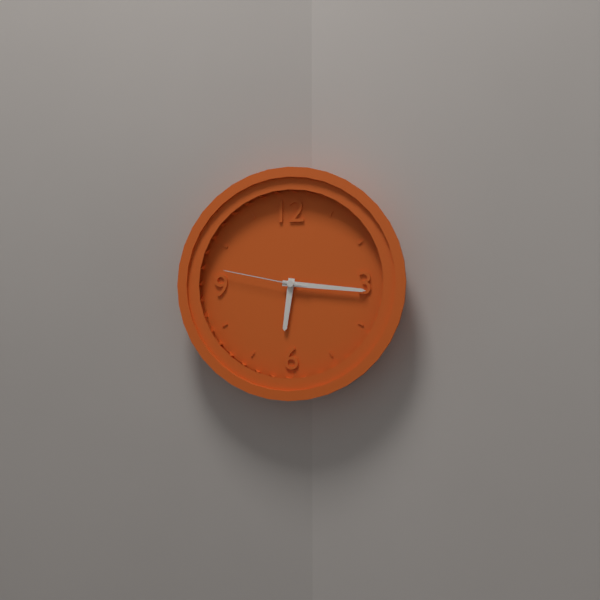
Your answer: 6,16,47
